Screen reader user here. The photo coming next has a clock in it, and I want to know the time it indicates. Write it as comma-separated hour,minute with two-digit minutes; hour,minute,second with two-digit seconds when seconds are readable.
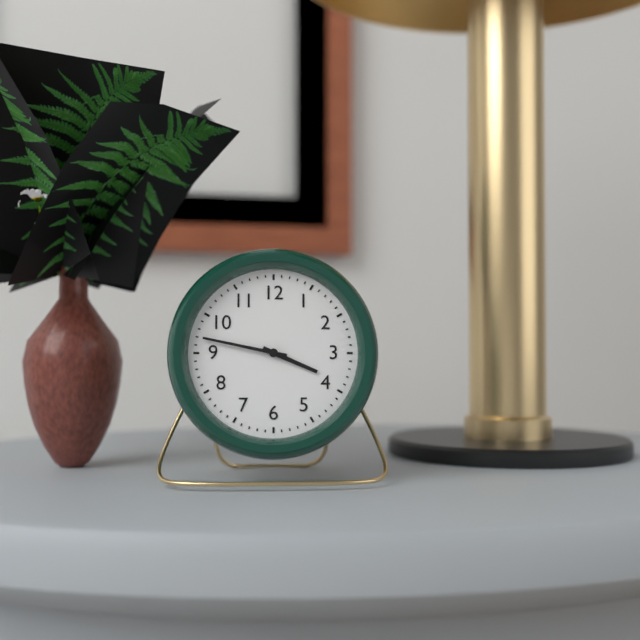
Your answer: 3,47
